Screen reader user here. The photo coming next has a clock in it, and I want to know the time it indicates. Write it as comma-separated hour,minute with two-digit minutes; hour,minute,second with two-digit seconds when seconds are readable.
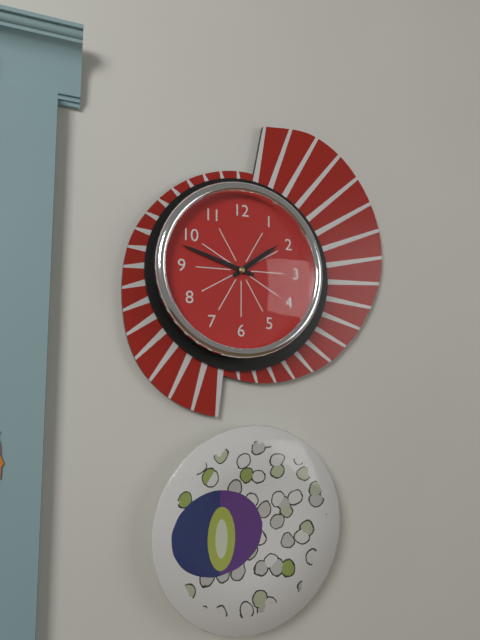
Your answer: 1,48
